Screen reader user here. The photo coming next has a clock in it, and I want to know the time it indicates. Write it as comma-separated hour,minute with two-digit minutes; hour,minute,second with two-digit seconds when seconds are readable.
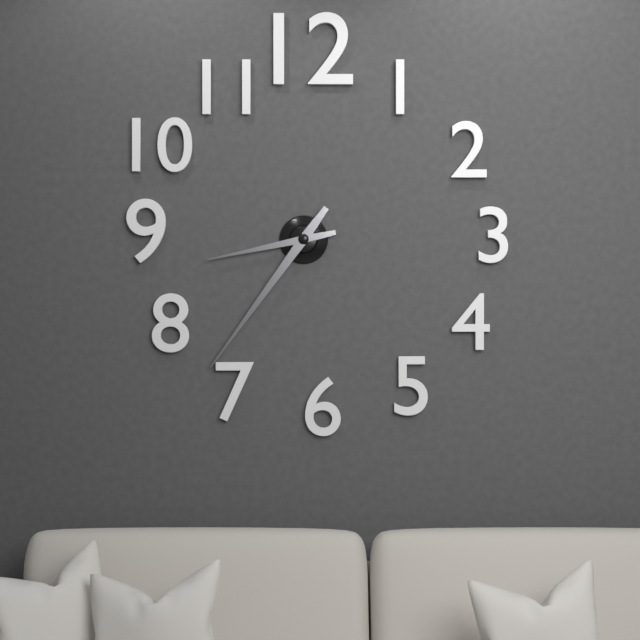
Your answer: 8,36
